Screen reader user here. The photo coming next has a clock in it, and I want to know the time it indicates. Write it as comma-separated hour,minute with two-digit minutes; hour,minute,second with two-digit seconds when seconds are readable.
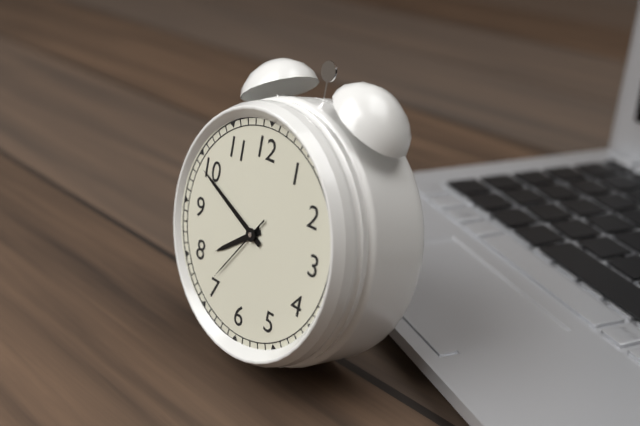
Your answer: 7,49,36
